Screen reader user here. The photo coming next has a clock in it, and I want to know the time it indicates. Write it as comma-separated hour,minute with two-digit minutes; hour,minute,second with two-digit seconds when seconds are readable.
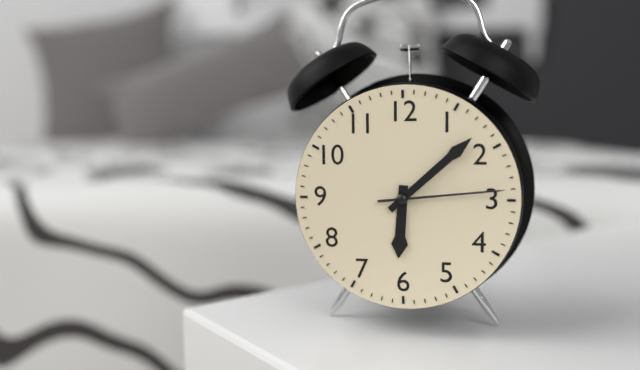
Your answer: 6,08,14
